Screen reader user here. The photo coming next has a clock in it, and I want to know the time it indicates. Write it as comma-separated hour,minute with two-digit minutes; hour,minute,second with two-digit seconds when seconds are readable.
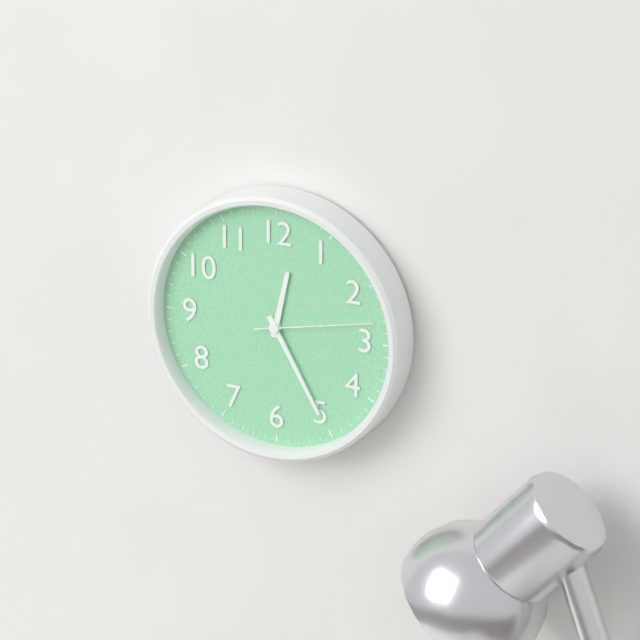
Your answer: 12,25,13
